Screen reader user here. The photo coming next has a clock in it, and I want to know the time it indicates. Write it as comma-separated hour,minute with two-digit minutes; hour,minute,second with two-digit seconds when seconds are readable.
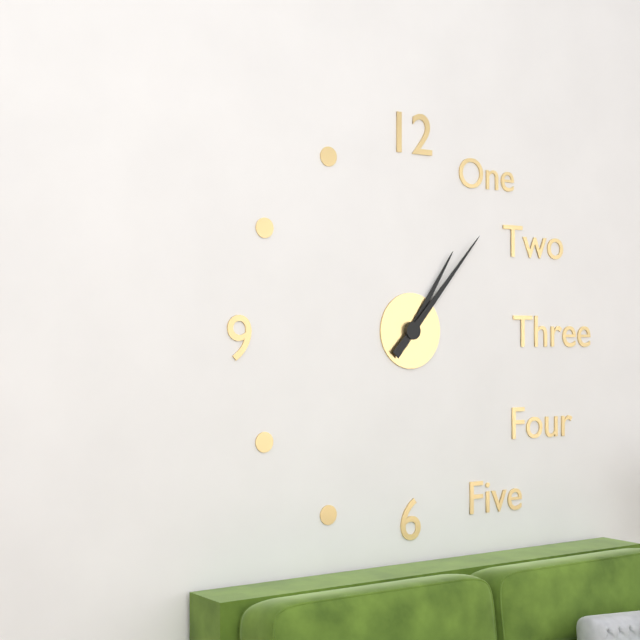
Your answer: 1,07
